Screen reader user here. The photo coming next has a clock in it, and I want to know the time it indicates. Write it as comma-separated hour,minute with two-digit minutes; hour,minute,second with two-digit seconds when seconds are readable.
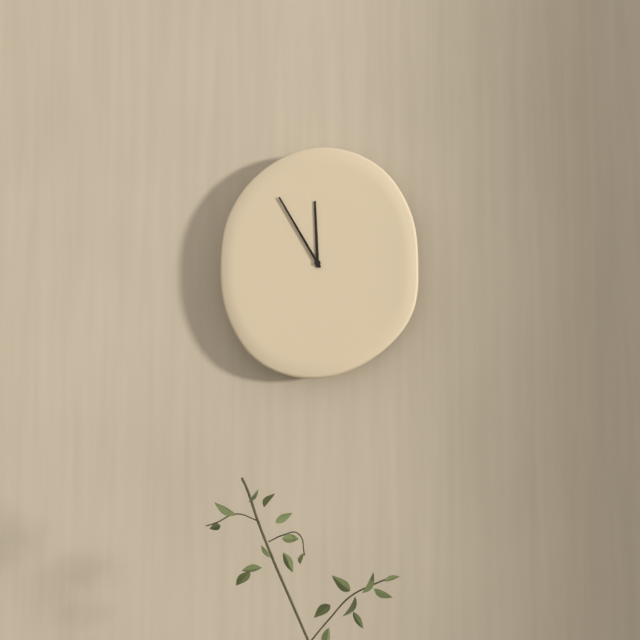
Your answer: 11,55
